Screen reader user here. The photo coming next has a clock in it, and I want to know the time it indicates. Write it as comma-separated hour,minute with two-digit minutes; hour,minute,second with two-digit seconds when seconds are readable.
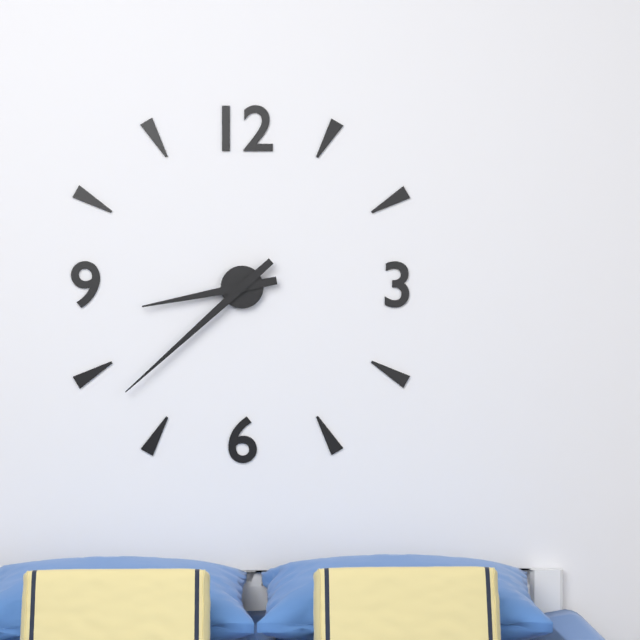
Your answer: 8,38
